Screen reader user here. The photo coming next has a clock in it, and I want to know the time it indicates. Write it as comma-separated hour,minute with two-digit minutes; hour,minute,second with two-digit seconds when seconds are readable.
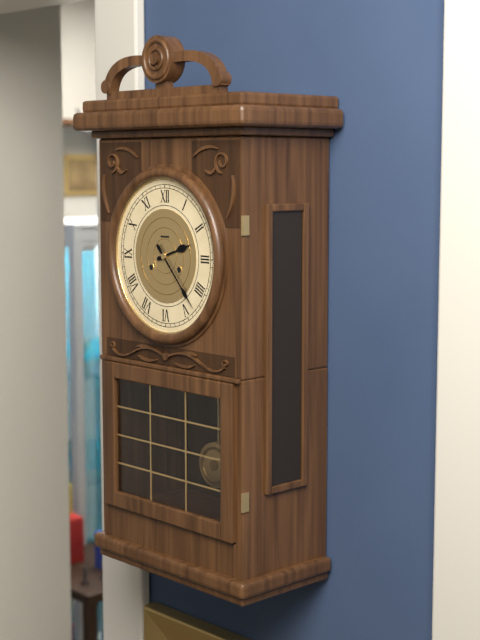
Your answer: 2,23
